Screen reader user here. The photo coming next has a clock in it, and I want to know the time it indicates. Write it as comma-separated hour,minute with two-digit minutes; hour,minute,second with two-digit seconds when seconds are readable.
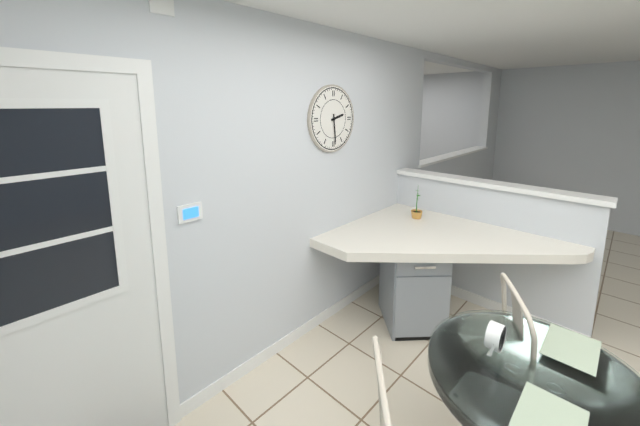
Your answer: 2,29
